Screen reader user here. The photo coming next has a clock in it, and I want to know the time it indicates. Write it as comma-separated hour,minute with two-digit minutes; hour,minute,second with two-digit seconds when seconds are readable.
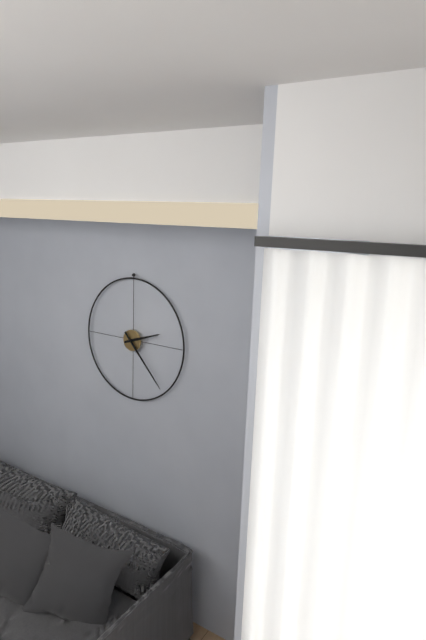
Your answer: 2,23
